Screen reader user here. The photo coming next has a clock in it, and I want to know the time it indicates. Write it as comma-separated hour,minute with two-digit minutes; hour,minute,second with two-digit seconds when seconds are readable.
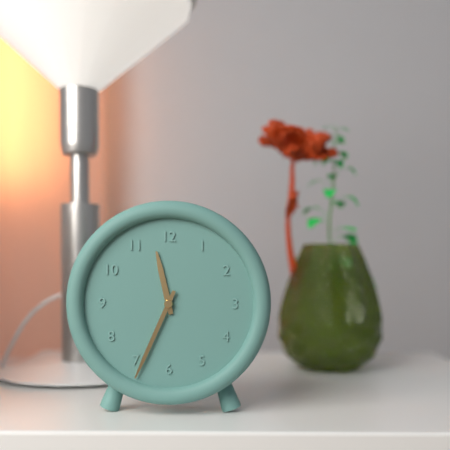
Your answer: 11,34
